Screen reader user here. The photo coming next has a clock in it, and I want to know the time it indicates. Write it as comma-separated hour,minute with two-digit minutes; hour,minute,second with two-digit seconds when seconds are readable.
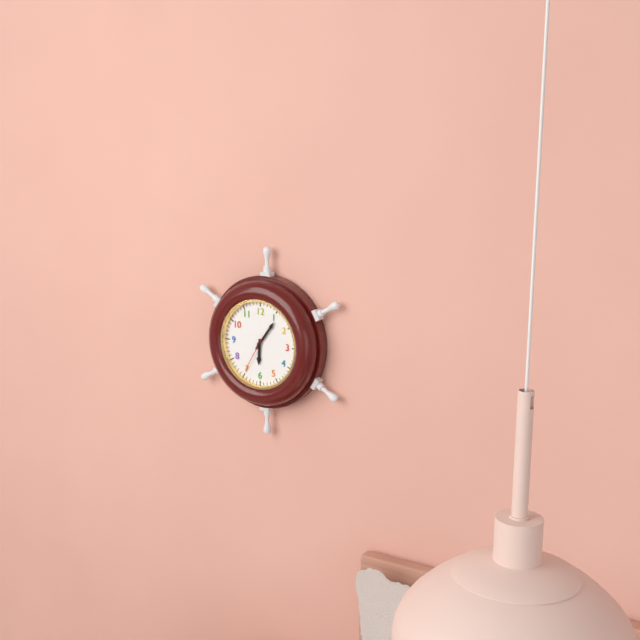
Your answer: 6,06
